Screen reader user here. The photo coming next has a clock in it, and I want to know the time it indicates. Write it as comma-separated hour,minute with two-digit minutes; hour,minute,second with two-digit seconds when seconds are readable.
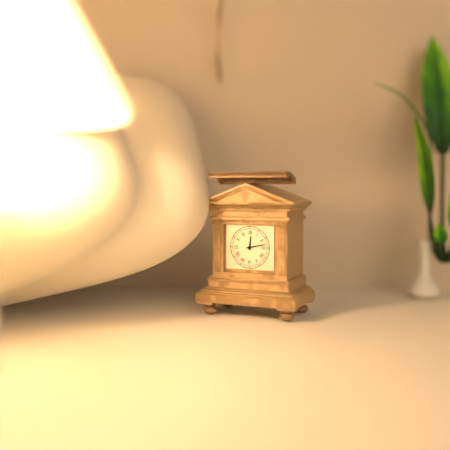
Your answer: 12,13
